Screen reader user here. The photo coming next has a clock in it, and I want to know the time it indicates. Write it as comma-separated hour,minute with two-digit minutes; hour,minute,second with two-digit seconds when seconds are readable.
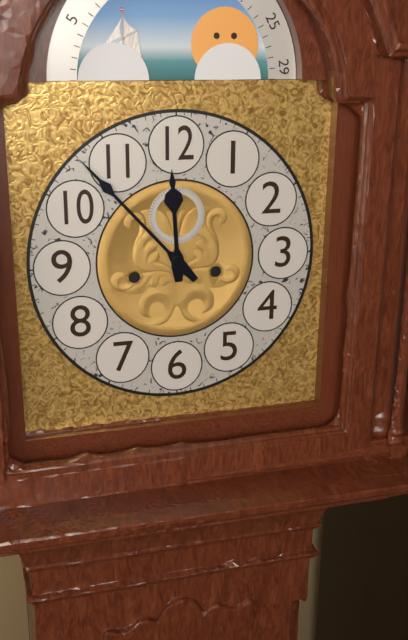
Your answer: 11,53
